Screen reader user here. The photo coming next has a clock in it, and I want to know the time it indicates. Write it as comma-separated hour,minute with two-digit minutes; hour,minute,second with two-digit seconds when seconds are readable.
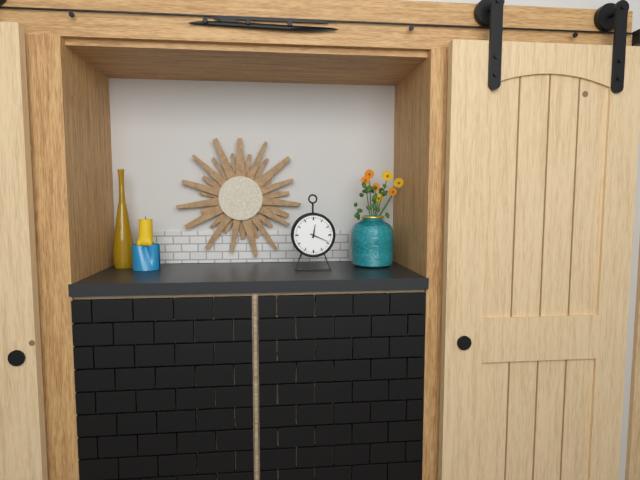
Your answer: 12,19
